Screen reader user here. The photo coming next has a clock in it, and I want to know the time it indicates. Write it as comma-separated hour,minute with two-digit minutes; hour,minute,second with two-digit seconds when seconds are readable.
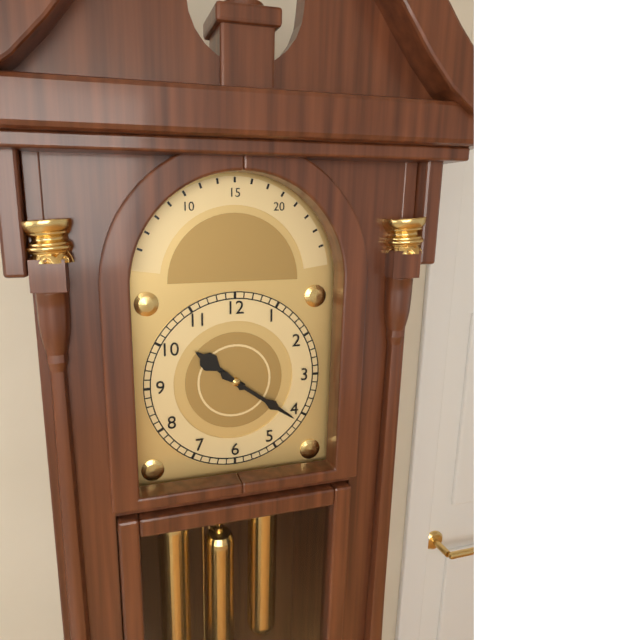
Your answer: 10,21
